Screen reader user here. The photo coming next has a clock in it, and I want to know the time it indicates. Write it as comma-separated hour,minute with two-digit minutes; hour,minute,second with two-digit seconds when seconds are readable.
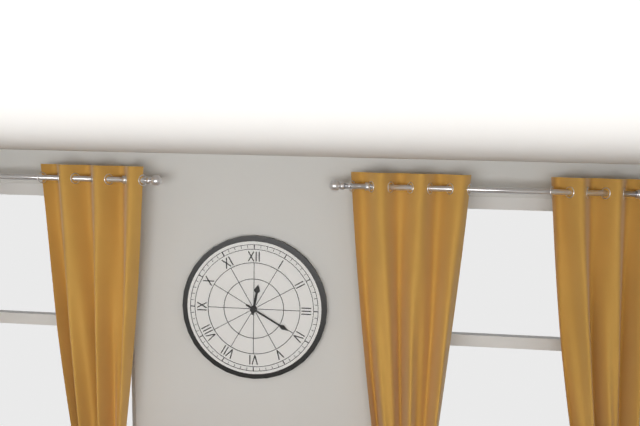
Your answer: 12,20
